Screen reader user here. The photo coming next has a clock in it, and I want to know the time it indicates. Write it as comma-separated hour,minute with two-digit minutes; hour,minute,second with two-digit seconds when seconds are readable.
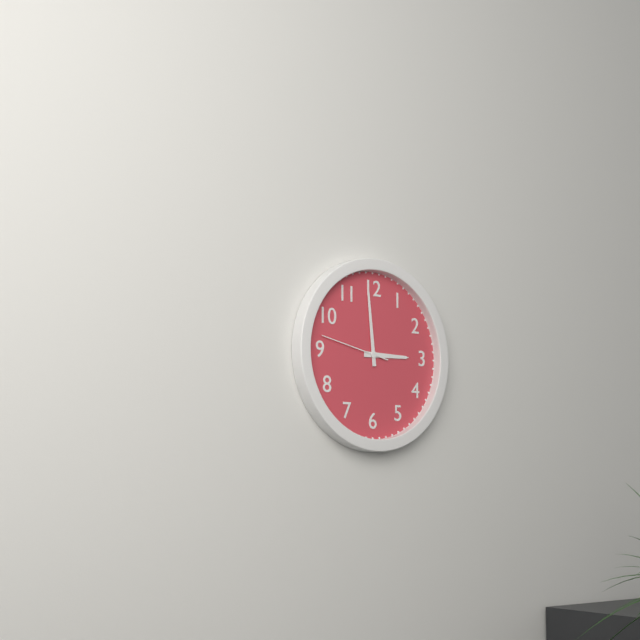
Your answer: 2,59,47
